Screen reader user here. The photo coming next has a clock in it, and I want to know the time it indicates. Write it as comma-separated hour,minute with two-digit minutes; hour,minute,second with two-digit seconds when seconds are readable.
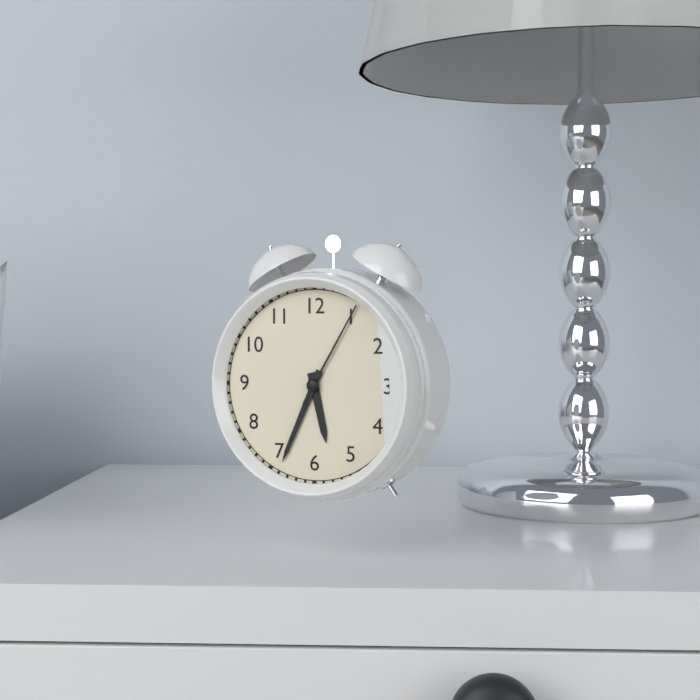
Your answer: 5,34,05
